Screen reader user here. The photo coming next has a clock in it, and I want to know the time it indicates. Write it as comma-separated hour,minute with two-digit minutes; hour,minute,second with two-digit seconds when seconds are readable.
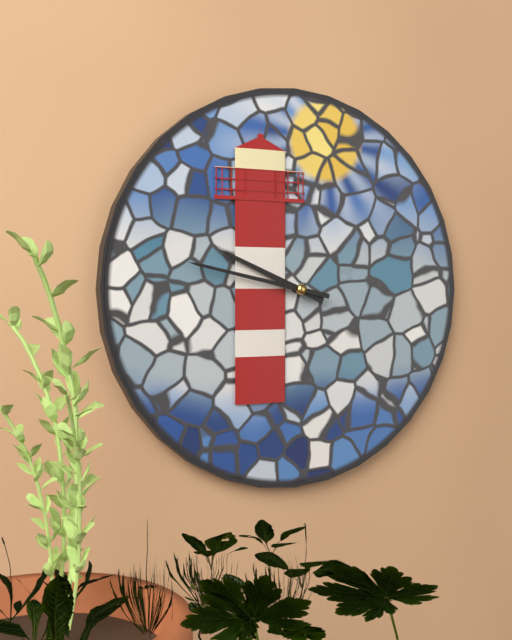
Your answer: 9,47
